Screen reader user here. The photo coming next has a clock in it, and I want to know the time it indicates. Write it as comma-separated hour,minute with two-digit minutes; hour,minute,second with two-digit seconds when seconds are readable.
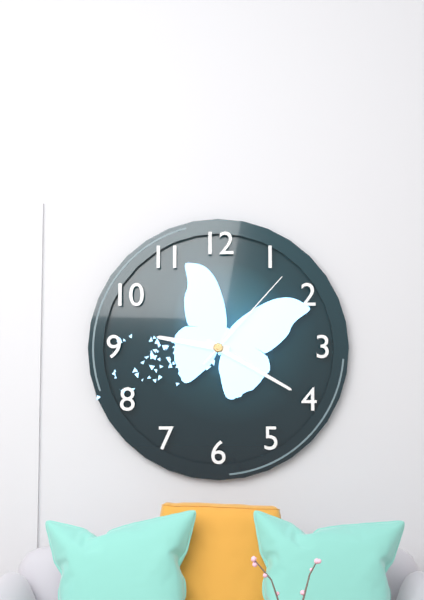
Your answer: 9,20,07
